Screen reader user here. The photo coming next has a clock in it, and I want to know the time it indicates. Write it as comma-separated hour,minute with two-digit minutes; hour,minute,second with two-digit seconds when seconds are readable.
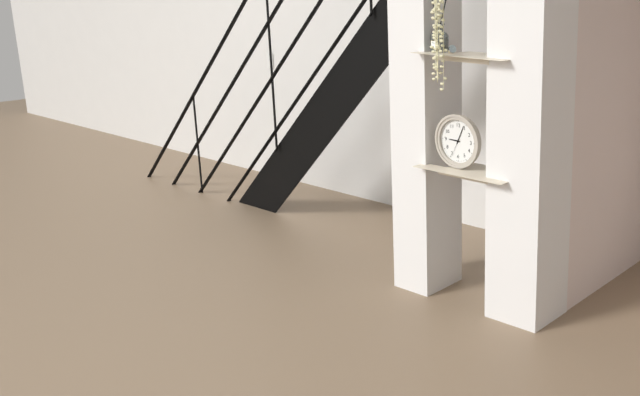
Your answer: 9,04
